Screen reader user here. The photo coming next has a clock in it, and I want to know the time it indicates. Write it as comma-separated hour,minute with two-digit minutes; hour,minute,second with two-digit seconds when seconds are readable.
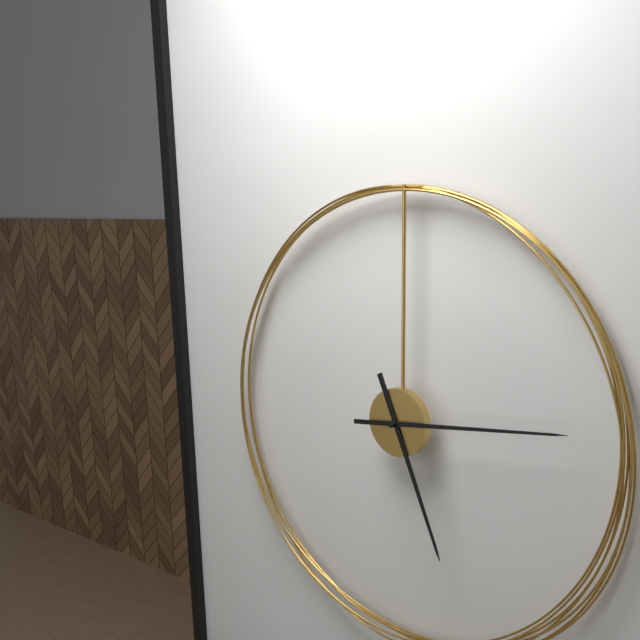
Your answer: 5,14
